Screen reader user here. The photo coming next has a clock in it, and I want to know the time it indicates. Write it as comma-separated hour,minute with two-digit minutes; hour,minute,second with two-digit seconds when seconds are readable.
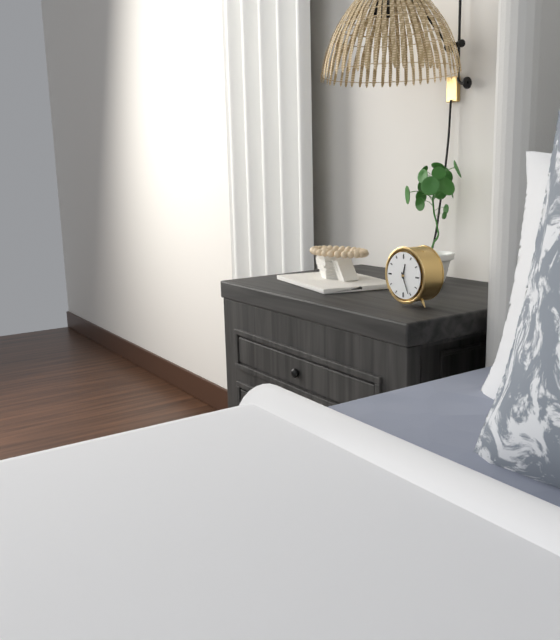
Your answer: 12,26
